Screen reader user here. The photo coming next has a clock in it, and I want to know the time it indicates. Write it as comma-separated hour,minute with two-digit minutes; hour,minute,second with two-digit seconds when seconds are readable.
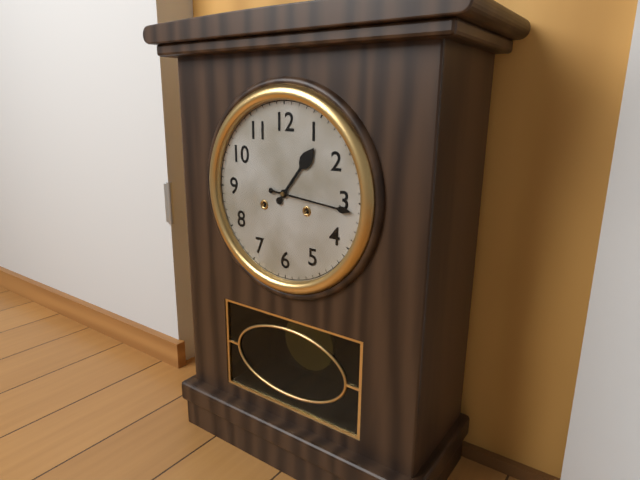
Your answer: 1,16
